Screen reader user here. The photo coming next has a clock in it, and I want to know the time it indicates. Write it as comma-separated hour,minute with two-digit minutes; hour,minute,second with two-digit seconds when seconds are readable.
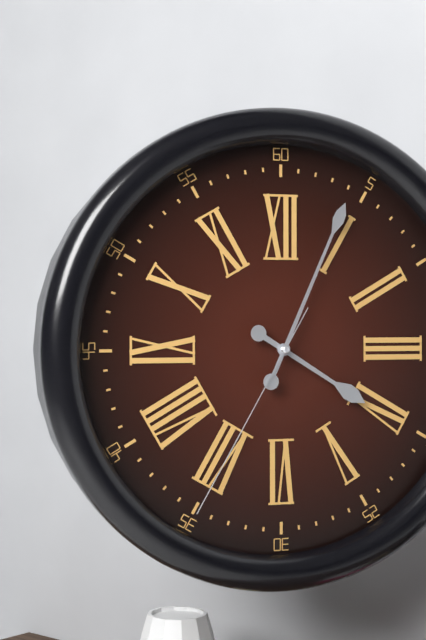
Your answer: 4,04,35
